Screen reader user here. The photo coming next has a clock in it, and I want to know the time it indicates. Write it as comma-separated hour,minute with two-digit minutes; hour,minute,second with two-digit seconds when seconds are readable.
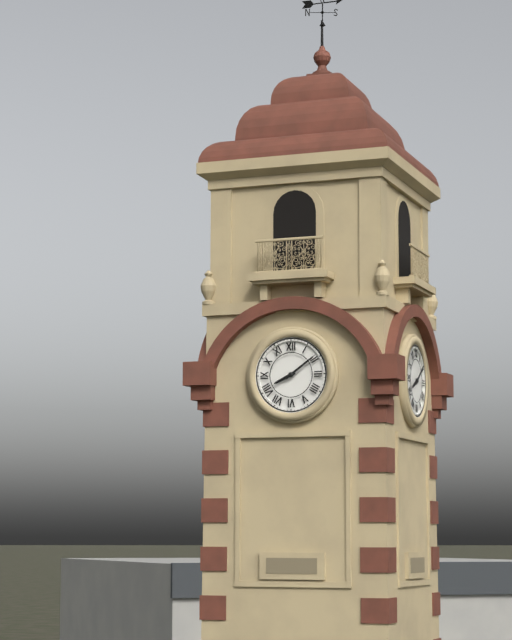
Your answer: 8,09
